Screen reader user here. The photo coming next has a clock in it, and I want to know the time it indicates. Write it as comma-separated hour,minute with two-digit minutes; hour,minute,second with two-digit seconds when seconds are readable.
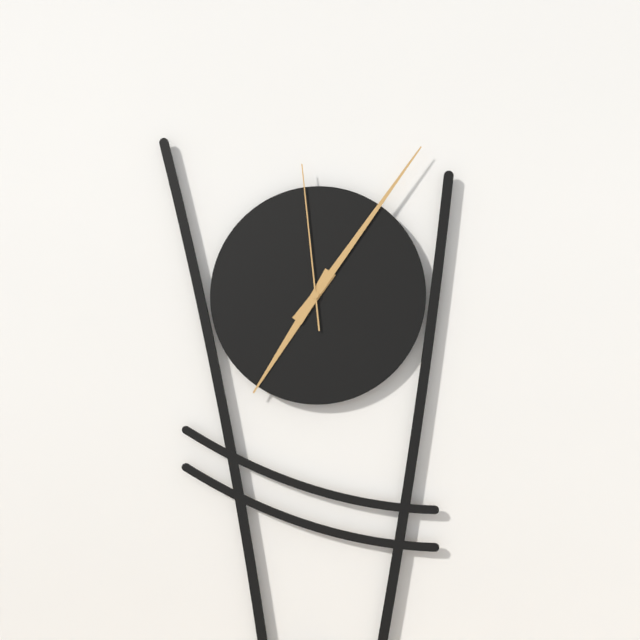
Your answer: 7,06,59
